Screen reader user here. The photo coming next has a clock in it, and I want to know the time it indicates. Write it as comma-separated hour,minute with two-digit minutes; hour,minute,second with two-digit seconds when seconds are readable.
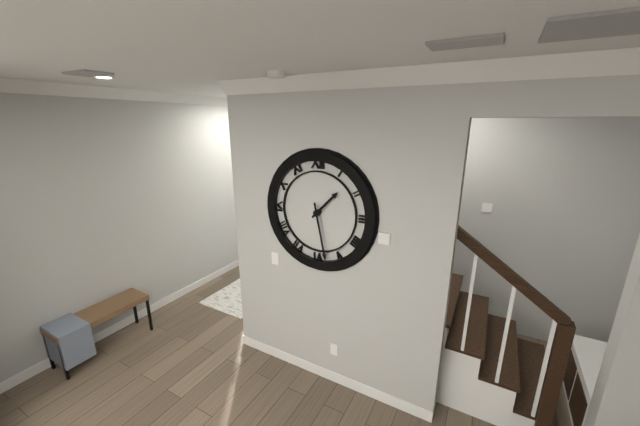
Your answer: 1,28
